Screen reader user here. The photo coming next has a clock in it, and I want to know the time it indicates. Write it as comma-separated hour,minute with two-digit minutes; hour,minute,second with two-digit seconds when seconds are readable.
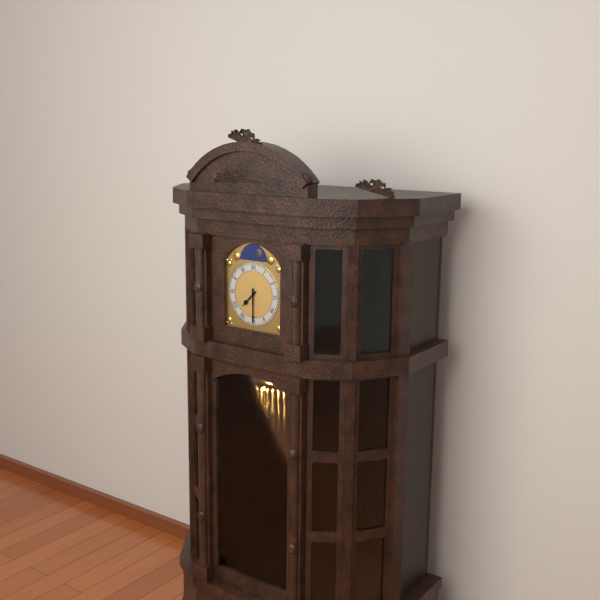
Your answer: 7,30
